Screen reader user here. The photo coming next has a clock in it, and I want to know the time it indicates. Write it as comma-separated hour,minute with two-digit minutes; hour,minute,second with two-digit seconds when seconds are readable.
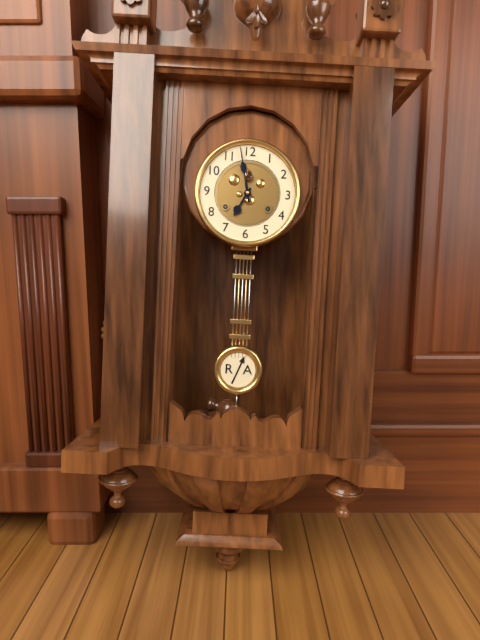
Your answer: 6,58
